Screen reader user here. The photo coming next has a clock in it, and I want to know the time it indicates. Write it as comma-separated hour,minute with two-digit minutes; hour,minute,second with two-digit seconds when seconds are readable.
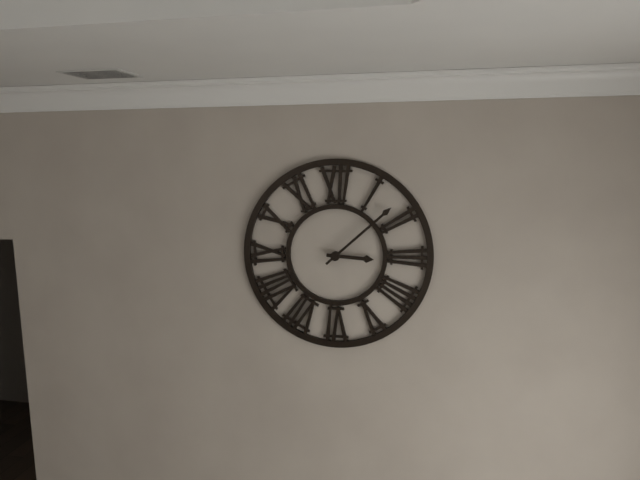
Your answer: 3,08
